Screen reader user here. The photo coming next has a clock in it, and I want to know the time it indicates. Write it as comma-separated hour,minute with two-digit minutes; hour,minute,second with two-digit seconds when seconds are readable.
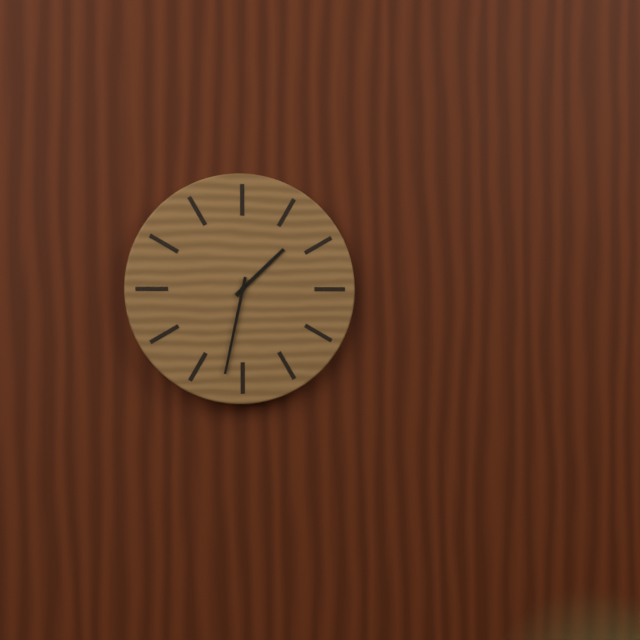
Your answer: 1,32
